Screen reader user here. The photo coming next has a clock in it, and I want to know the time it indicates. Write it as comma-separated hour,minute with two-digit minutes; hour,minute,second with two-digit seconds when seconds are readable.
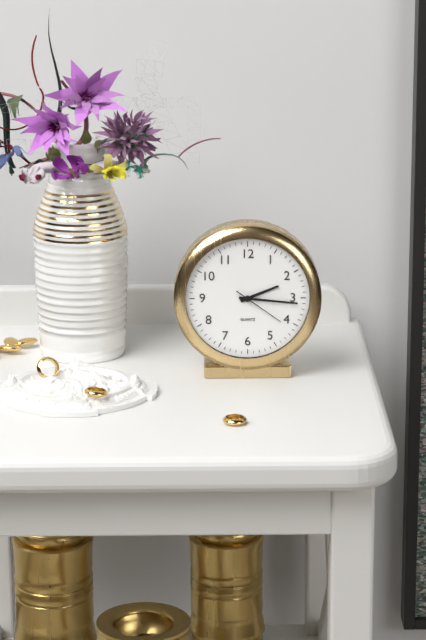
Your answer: 2,16,21
